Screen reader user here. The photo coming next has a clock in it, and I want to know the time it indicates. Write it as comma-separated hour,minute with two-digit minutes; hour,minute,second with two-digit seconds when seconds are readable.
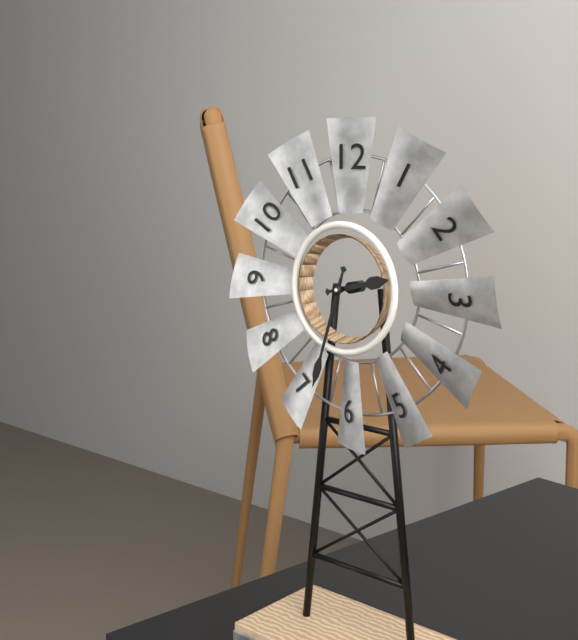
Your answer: 2,33
